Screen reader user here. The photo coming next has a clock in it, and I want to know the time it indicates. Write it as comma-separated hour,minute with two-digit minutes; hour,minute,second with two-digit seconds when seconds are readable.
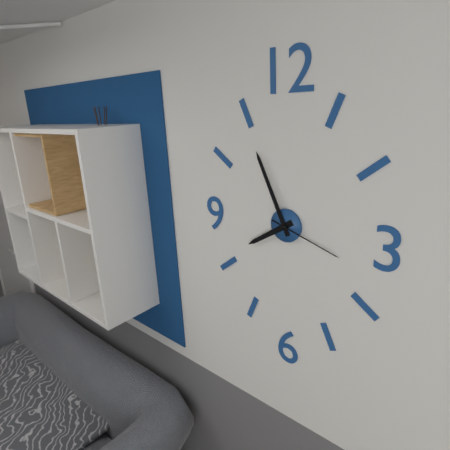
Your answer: 7,56,18
